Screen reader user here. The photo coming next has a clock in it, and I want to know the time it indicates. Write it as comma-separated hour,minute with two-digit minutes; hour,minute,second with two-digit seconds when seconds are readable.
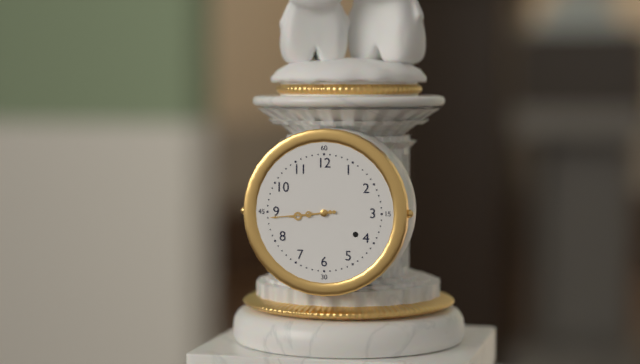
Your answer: 8,44
